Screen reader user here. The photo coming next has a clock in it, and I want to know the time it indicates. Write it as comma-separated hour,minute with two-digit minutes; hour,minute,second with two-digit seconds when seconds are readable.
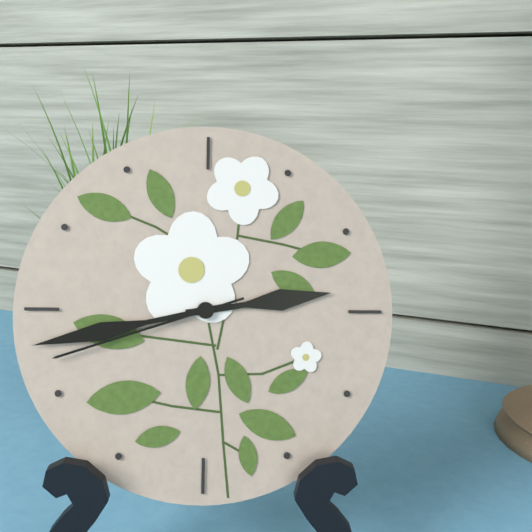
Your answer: 2,43,42
